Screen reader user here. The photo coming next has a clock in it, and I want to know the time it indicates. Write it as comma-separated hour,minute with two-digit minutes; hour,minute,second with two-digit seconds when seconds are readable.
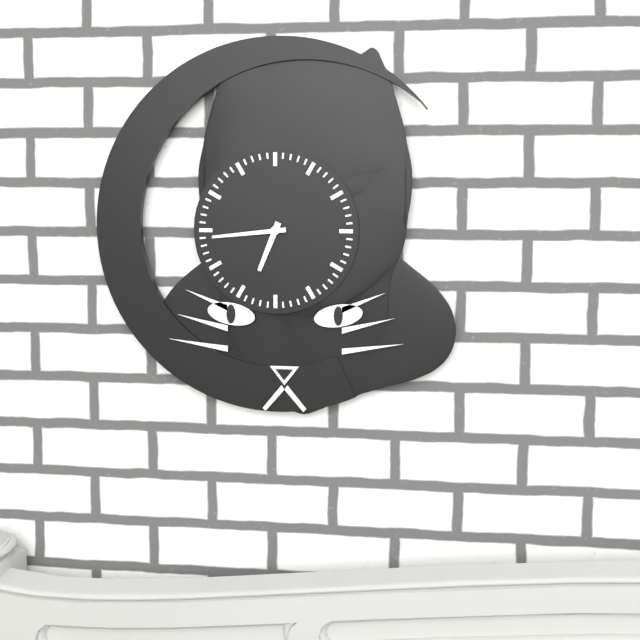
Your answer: 6,44
